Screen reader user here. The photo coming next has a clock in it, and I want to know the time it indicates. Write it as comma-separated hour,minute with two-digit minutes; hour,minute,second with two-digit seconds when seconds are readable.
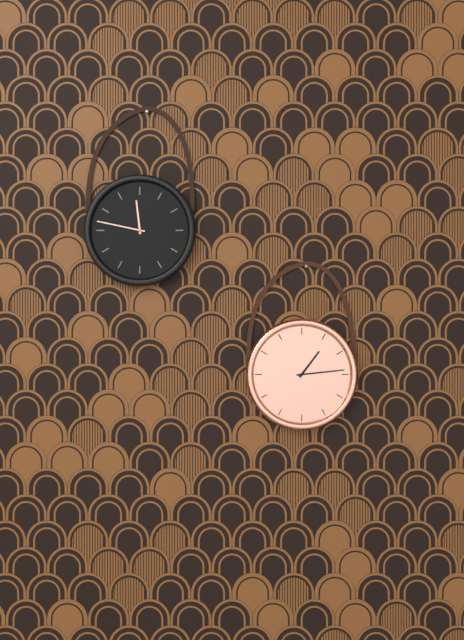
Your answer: 1,14
